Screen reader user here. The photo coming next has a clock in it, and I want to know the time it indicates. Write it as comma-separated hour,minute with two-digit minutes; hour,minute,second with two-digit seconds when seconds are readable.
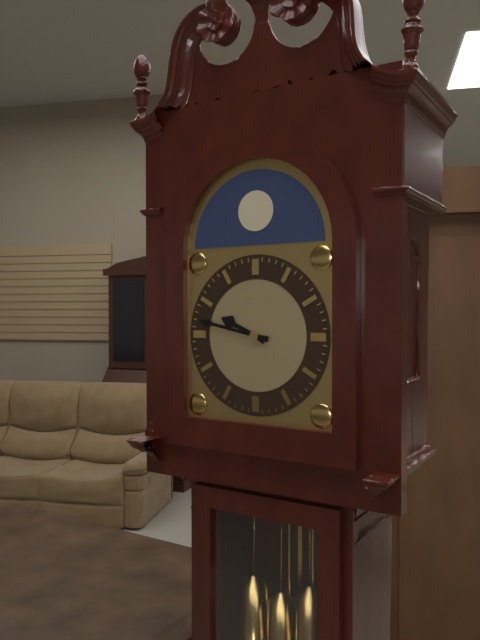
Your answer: 9,47
